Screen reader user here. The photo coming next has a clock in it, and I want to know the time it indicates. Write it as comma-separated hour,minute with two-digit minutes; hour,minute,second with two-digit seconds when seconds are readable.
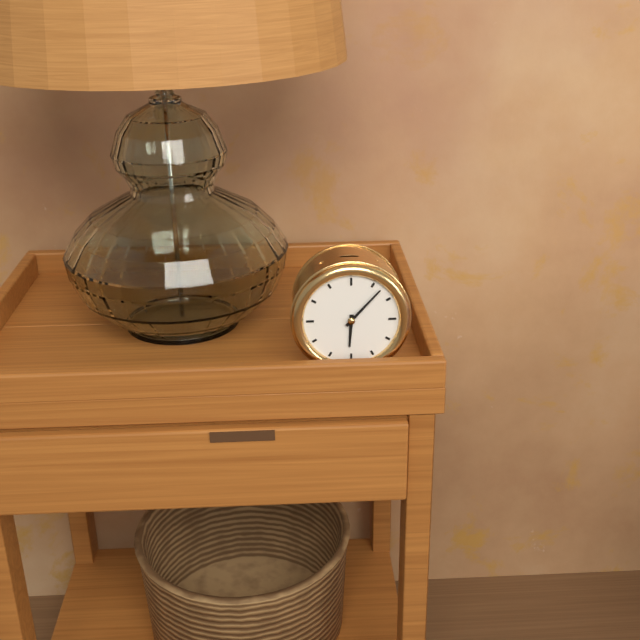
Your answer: 6,07
